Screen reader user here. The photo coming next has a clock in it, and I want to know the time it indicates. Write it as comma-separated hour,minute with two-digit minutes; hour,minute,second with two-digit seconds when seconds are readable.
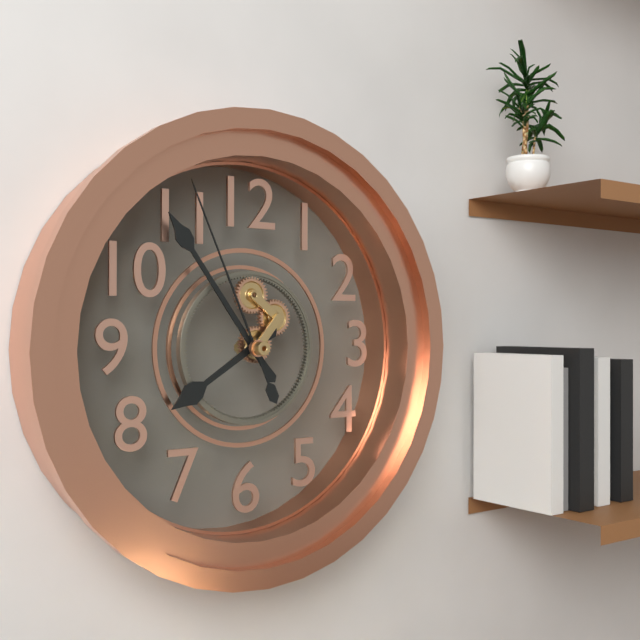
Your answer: 7,54,56
